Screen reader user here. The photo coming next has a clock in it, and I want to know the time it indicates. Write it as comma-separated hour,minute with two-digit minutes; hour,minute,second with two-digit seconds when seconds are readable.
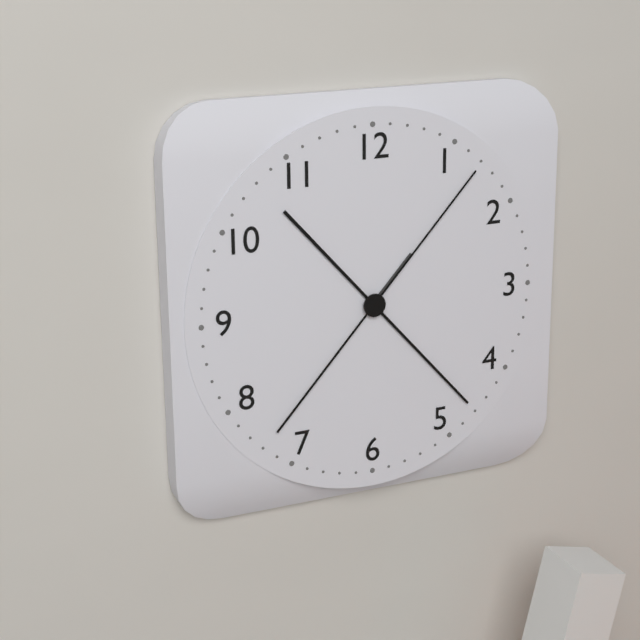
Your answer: 1,23,07
